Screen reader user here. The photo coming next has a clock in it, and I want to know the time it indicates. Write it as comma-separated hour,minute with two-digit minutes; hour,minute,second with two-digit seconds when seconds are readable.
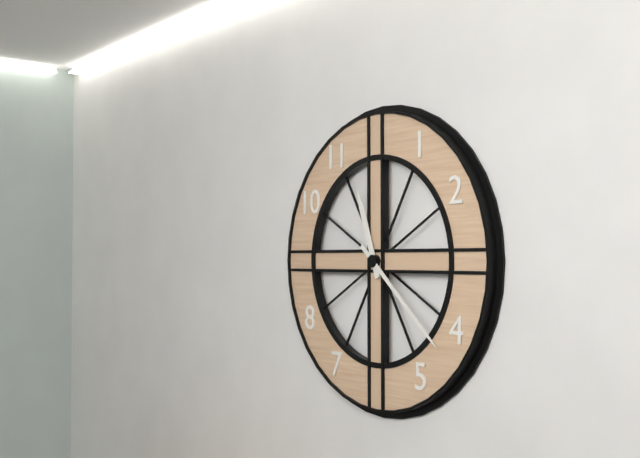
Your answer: 11,22
